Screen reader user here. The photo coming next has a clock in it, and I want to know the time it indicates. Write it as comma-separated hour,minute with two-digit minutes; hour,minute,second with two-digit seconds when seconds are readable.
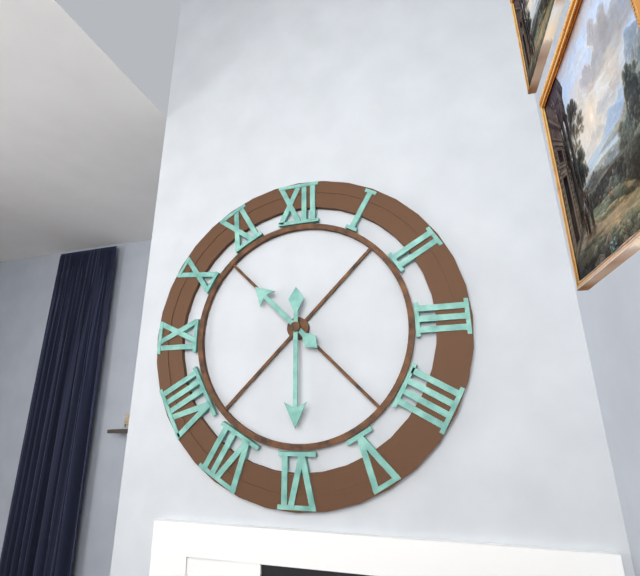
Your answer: 10,30
